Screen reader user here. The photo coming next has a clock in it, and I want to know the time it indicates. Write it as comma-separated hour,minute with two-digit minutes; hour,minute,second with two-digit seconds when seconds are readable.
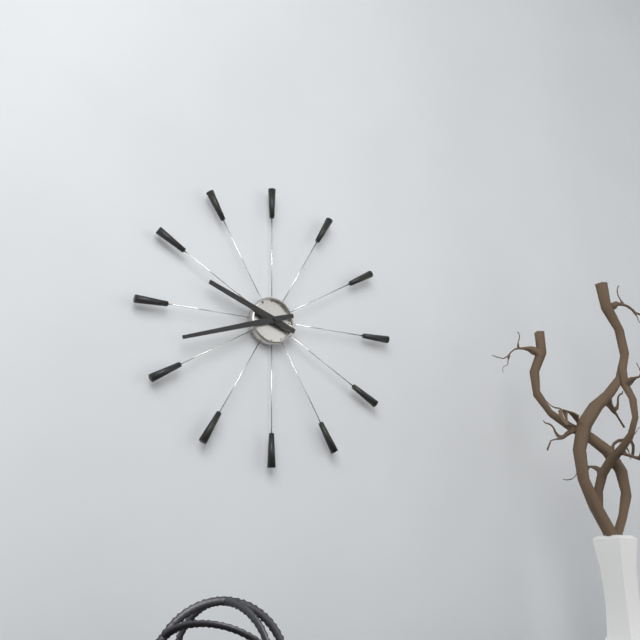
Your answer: 9,42
